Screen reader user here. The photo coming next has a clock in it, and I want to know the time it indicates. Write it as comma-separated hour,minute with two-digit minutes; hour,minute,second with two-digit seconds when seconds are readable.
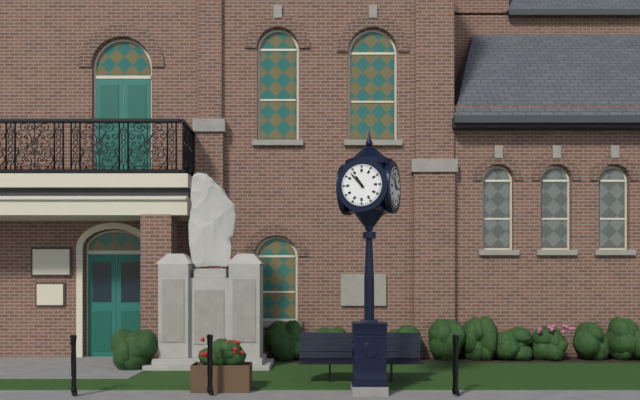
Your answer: 10,53
